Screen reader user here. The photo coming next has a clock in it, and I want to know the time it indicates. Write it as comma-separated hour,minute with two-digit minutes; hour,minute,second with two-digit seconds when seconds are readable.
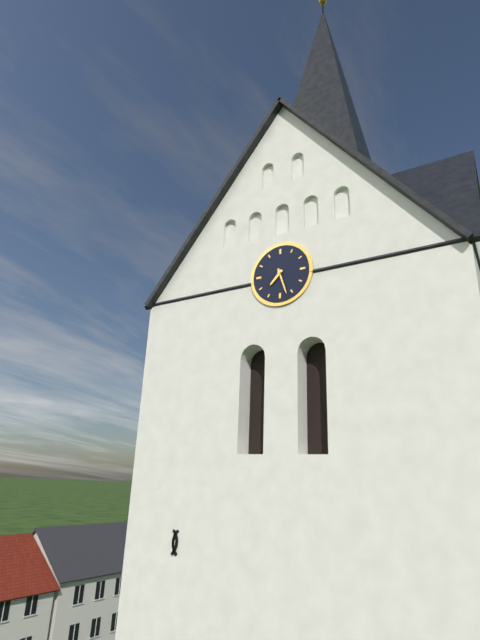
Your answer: 7,27
